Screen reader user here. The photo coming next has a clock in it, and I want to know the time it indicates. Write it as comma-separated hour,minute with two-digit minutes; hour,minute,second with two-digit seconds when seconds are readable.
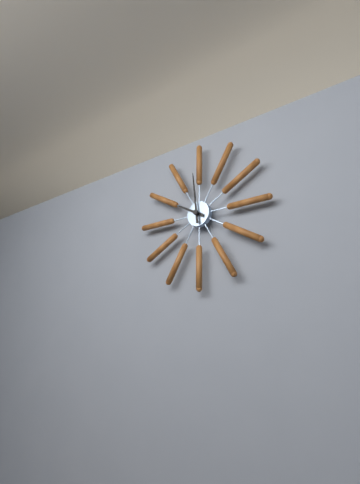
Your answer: 9,59
